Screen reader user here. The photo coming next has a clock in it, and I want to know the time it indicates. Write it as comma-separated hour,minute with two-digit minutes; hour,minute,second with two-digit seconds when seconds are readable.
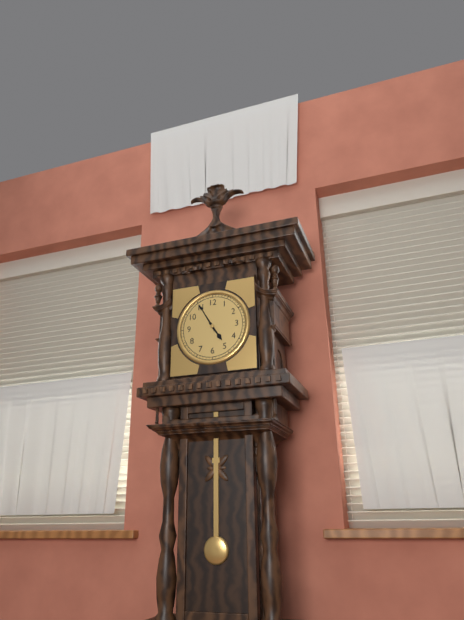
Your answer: 4,55
